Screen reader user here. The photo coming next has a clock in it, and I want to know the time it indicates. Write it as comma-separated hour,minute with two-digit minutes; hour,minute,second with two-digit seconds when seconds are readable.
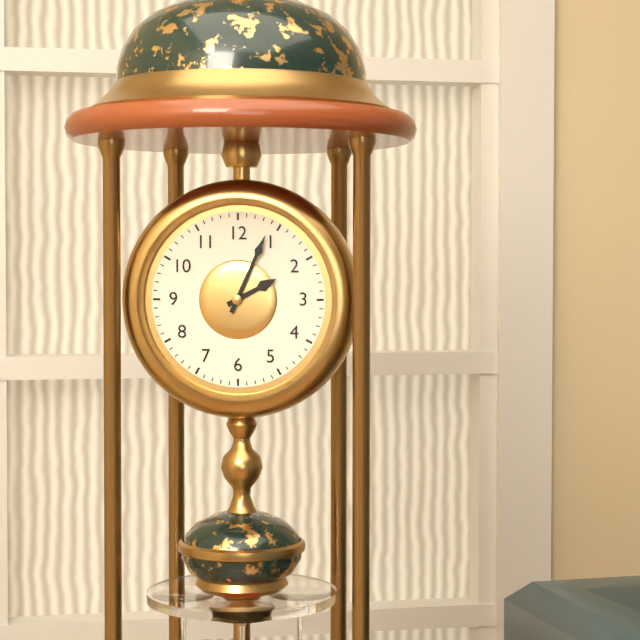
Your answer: 2,04
